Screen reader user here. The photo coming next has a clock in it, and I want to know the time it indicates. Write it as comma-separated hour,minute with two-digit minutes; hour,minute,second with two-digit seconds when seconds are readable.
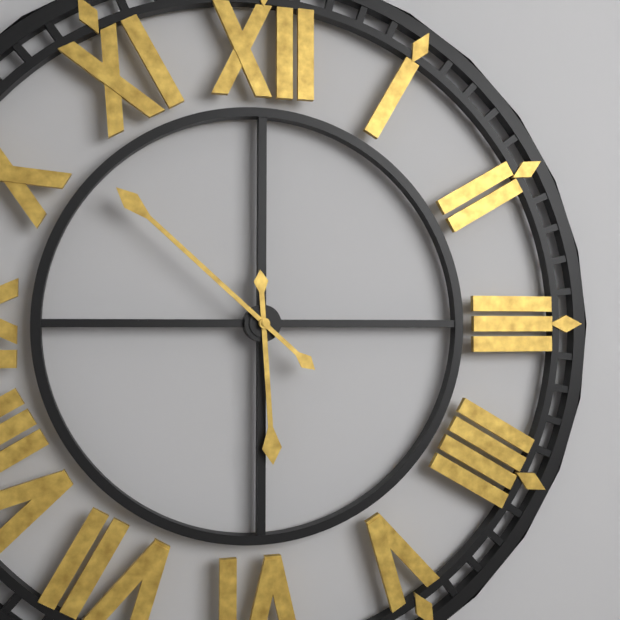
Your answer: 5,52
